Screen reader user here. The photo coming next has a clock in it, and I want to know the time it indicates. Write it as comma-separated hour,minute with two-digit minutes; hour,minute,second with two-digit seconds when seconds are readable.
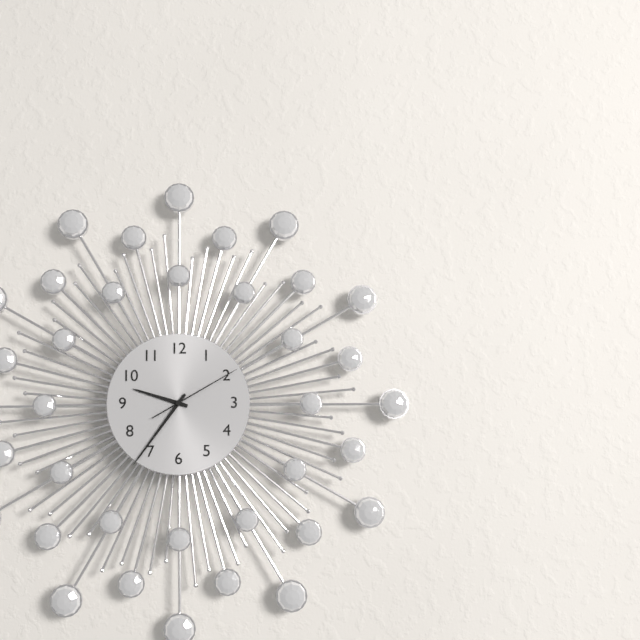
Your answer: 9,36,10
